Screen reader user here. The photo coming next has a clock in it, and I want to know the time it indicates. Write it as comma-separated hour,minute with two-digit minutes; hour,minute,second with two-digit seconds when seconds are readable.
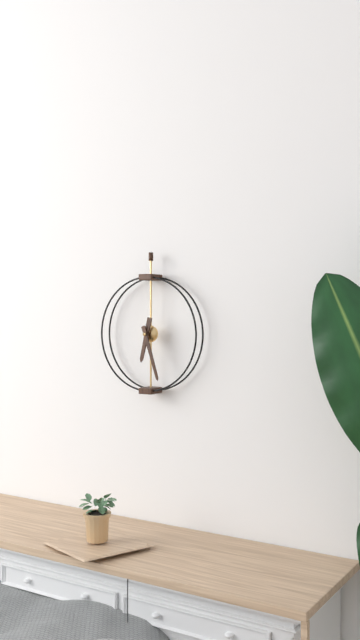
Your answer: 6,27
